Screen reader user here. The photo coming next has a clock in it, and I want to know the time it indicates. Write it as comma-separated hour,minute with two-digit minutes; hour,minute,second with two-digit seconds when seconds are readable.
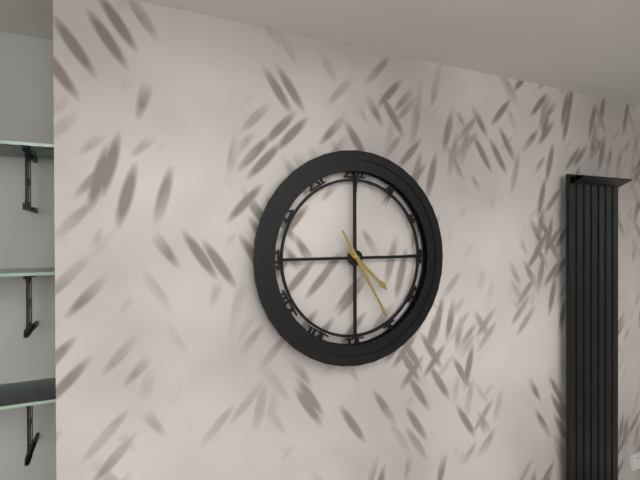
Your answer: 4,25
